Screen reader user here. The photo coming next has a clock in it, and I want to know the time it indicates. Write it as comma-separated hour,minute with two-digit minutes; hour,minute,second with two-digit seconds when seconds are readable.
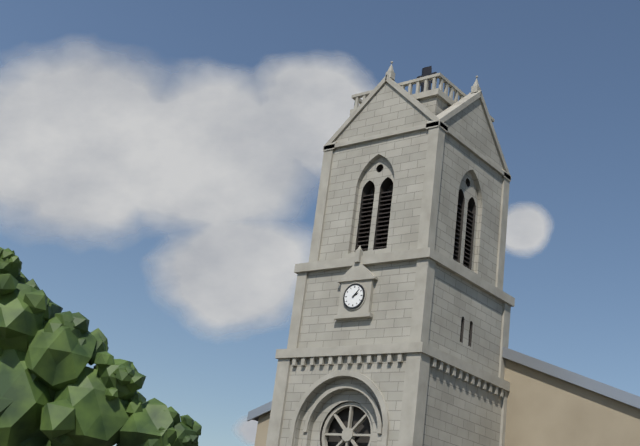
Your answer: 2,07
